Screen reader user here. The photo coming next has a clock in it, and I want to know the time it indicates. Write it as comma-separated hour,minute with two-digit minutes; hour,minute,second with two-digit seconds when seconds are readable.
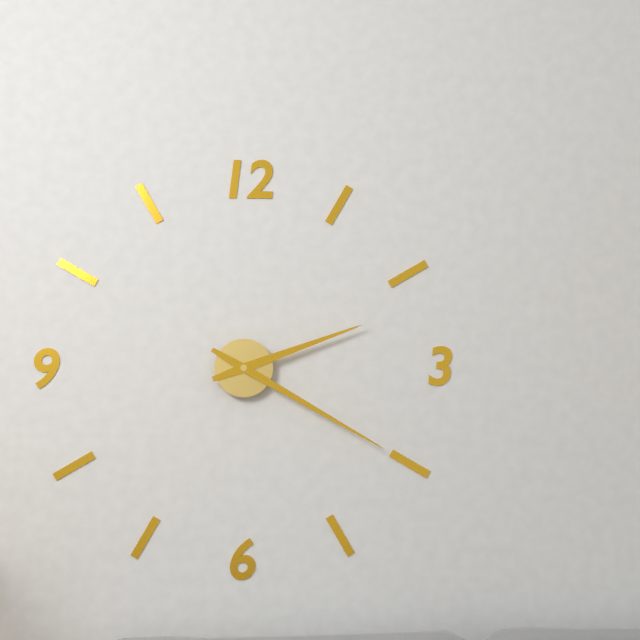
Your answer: 2,20
